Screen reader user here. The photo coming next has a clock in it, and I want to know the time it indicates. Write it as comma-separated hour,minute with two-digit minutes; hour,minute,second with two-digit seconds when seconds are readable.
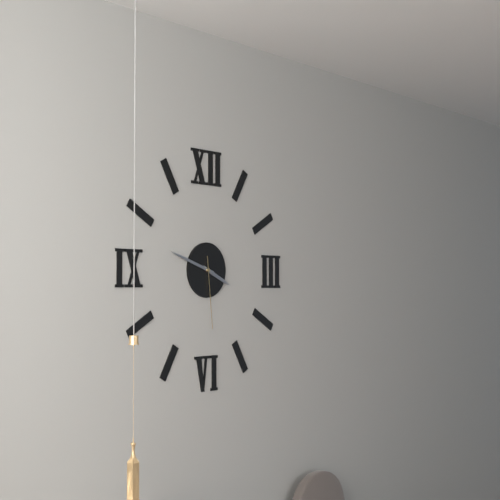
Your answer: 3,48,29
